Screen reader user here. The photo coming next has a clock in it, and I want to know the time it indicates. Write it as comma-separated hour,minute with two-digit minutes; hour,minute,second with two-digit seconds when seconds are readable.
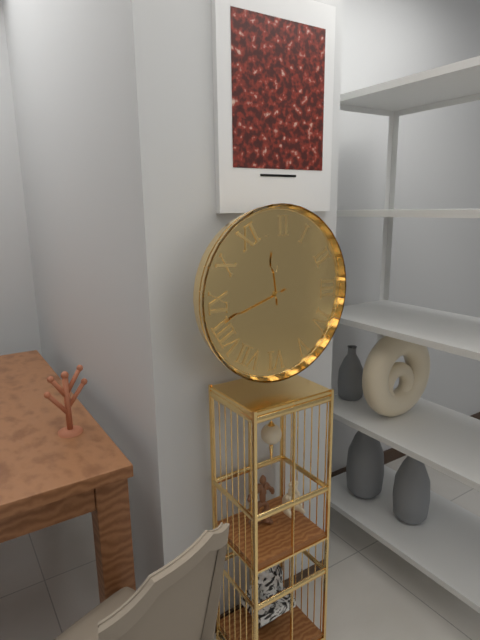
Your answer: 11,42
